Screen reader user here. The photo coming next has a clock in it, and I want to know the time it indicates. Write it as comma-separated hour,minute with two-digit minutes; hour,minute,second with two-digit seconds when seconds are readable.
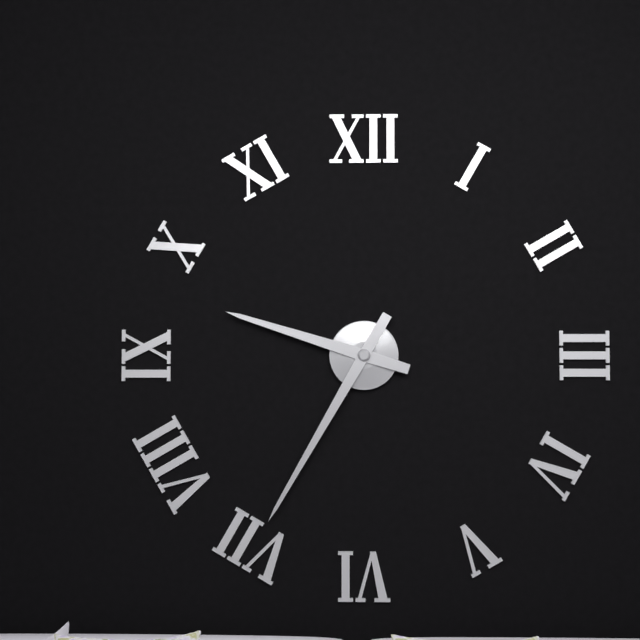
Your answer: 9,35
